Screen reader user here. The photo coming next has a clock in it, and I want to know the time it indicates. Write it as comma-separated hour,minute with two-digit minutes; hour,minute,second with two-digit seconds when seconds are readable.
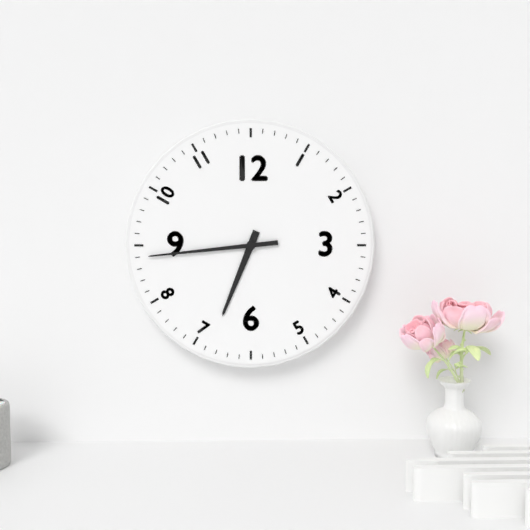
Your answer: 6,44
